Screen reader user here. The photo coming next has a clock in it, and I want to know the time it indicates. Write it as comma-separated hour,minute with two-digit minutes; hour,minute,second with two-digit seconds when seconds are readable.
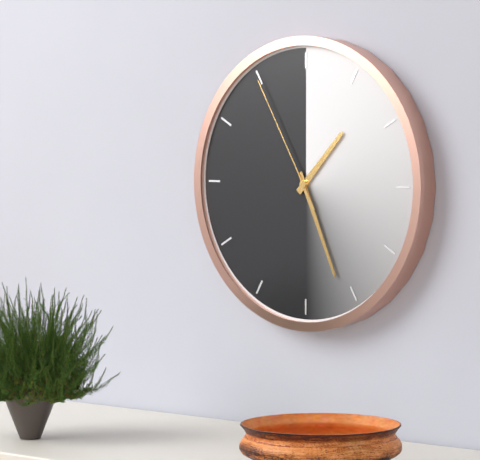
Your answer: 1,26,55
